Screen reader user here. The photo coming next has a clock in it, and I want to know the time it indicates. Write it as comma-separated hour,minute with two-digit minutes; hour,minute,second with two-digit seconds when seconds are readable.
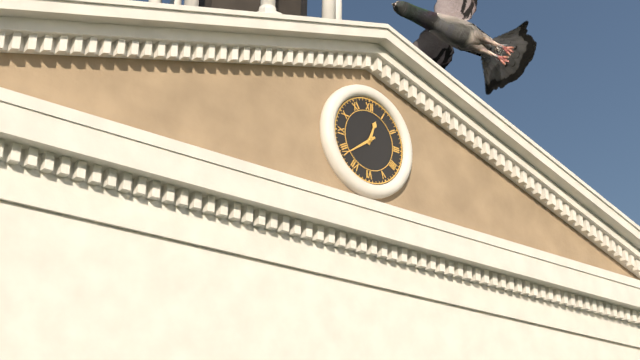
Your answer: 12,39
